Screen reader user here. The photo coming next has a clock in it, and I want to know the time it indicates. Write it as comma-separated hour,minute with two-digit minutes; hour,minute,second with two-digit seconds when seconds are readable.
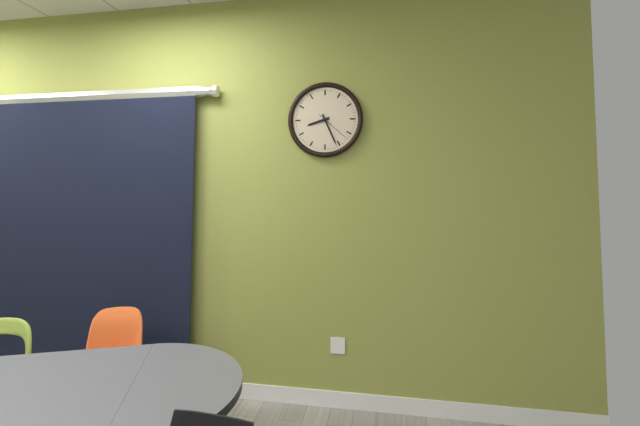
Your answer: 8,26
